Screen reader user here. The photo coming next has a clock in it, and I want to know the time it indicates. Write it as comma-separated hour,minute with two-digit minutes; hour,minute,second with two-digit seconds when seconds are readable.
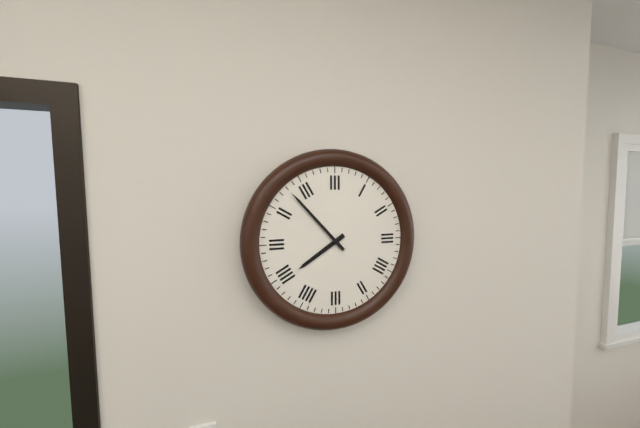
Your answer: 7,53
